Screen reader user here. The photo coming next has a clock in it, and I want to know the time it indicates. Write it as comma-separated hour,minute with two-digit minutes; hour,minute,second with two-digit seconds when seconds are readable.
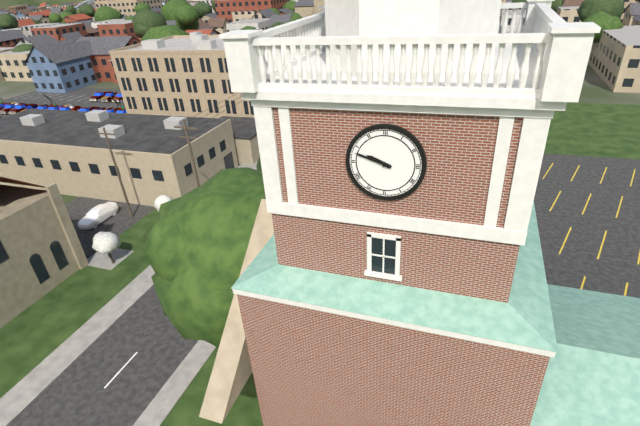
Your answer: 9,48
